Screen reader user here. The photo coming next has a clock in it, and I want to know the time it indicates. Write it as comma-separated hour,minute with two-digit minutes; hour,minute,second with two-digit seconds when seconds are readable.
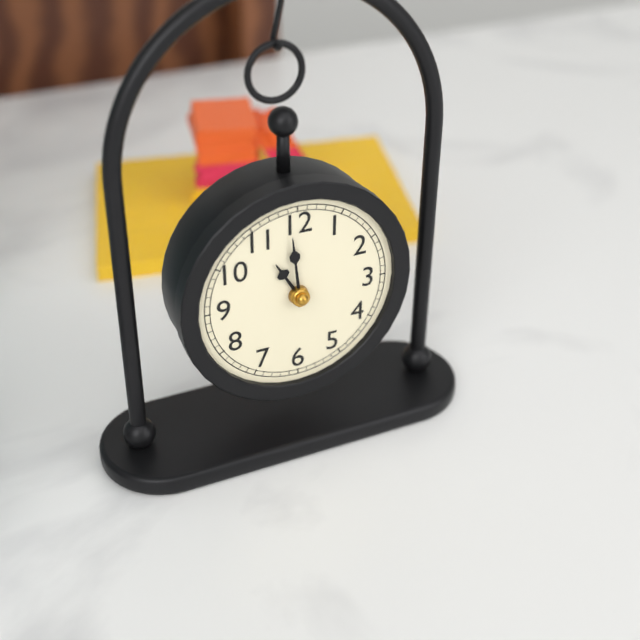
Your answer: 10,59
